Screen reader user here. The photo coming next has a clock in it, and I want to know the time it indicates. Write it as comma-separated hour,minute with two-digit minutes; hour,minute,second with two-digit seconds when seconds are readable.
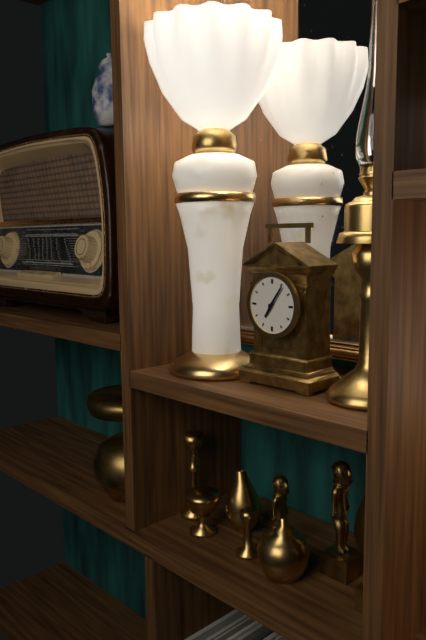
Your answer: 7,06
